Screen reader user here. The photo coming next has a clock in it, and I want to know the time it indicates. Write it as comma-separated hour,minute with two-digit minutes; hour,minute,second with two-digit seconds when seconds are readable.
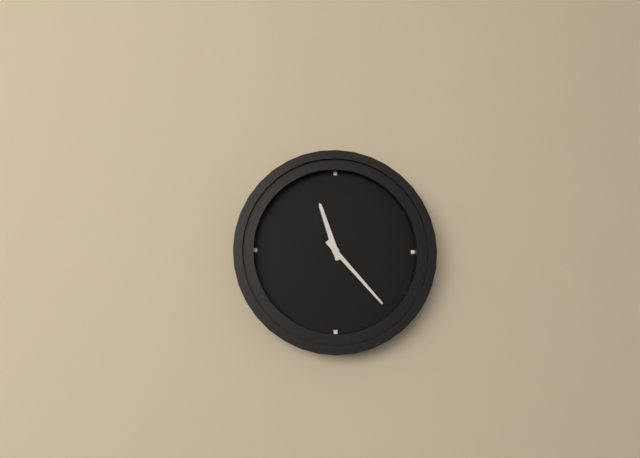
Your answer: 11,23
